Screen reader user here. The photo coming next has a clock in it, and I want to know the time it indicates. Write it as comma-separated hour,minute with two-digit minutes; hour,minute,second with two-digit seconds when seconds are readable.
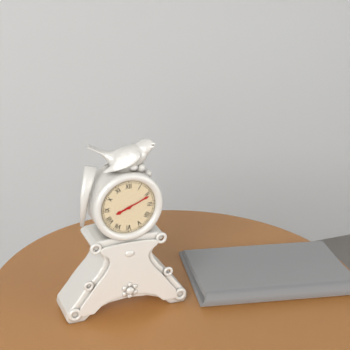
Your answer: 8,11
